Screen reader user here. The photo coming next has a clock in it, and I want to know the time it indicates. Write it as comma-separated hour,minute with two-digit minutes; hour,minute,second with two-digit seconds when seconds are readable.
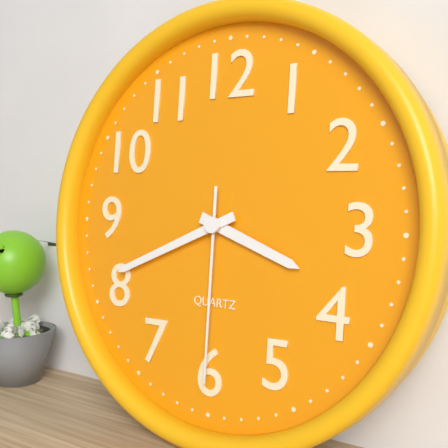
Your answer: 3,41,30
